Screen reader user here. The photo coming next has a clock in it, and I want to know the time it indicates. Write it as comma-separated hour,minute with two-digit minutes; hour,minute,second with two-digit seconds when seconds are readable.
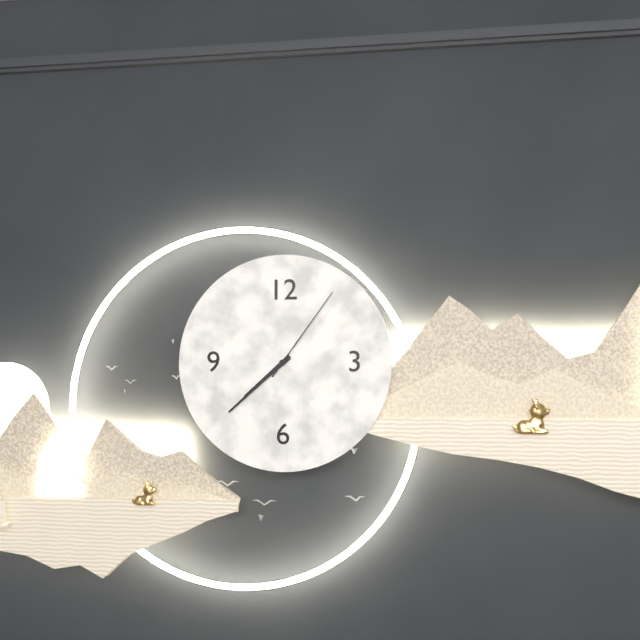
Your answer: 7,38,06
